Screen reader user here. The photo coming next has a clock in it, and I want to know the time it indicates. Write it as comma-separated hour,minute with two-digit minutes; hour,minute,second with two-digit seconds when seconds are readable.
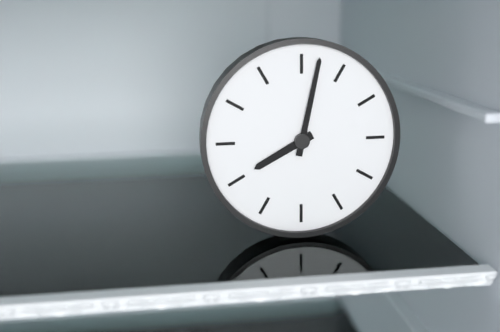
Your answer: 8,02
